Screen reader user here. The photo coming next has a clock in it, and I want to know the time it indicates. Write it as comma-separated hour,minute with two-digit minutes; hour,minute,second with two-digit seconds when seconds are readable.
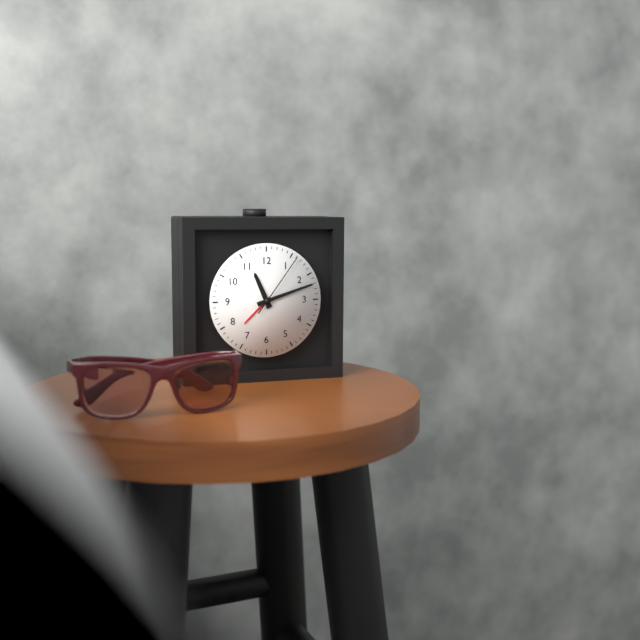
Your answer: 11,12,06
